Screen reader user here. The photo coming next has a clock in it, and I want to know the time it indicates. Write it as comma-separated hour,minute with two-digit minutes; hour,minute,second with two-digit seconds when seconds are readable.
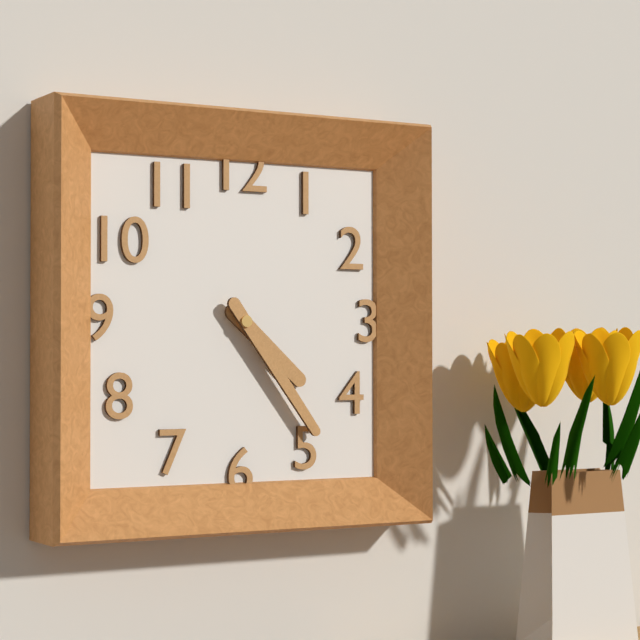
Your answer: 4,24
